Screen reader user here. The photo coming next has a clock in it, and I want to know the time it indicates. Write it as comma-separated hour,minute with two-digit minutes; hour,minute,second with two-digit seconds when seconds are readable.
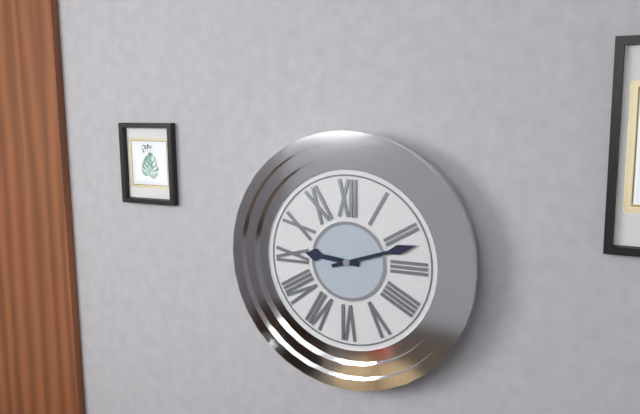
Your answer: 9,12
